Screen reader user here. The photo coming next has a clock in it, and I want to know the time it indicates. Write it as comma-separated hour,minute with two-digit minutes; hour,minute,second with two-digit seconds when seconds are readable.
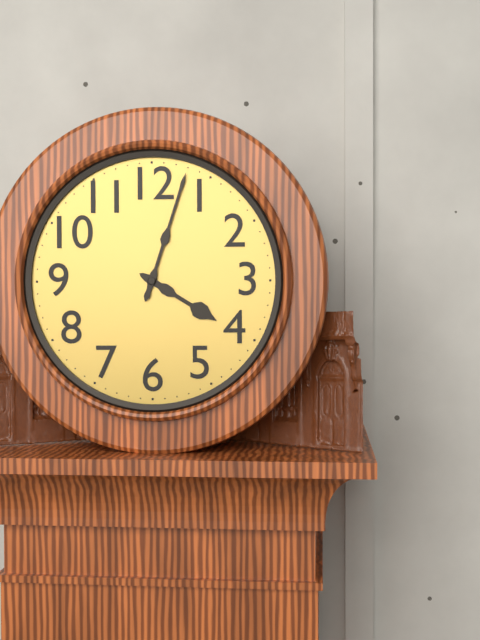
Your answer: 4,03
